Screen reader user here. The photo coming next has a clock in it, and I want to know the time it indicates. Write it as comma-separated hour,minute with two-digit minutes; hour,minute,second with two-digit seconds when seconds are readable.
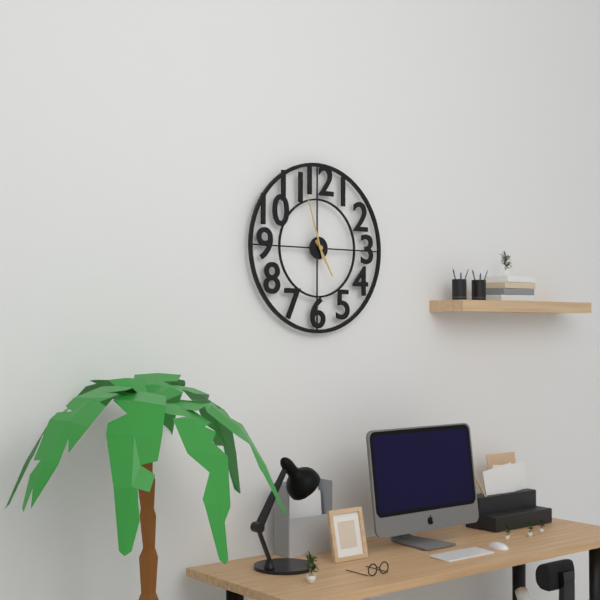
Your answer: 4,57
